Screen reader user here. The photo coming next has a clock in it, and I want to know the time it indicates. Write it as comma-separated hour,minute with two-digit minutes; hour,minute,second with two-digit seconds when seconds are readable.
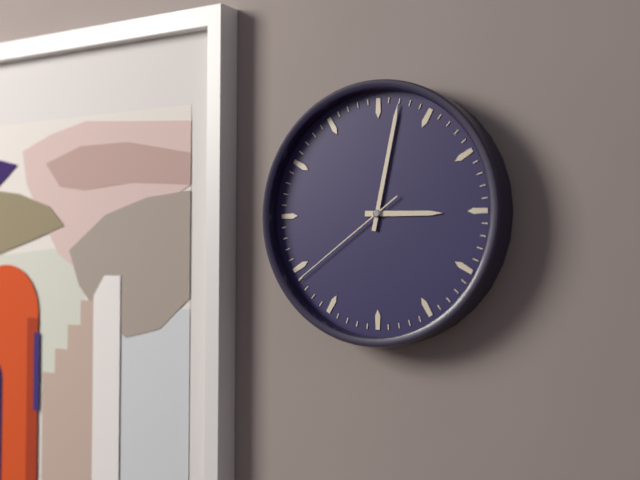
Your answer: 3,02,39
